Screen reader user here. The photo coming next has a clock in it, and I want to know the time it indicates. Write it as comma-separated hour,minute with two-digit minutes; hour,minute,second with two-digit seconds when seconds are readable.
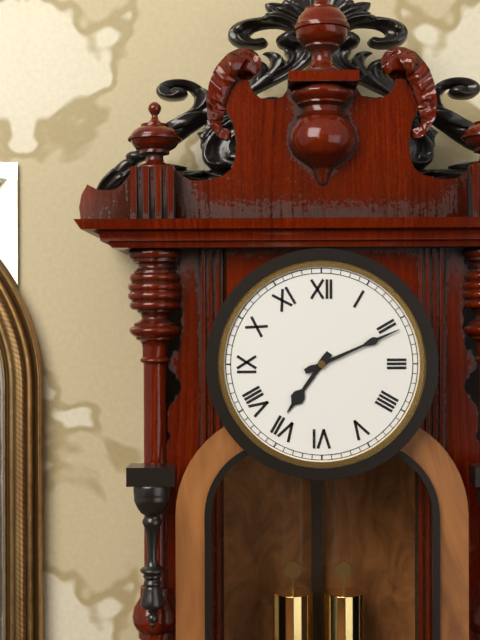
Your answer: 7,11
